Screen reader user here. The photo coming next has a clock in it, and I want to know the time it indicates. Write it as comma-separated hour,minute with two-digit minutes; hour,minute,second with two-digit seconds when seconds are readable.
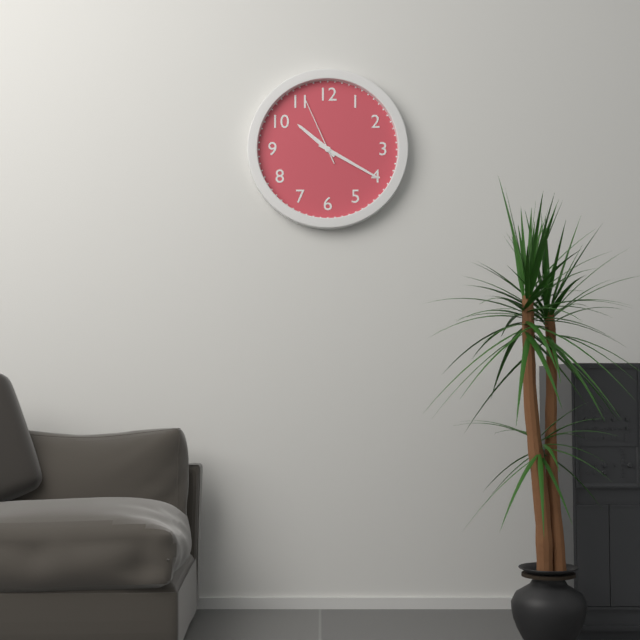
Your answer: 10,20,56
